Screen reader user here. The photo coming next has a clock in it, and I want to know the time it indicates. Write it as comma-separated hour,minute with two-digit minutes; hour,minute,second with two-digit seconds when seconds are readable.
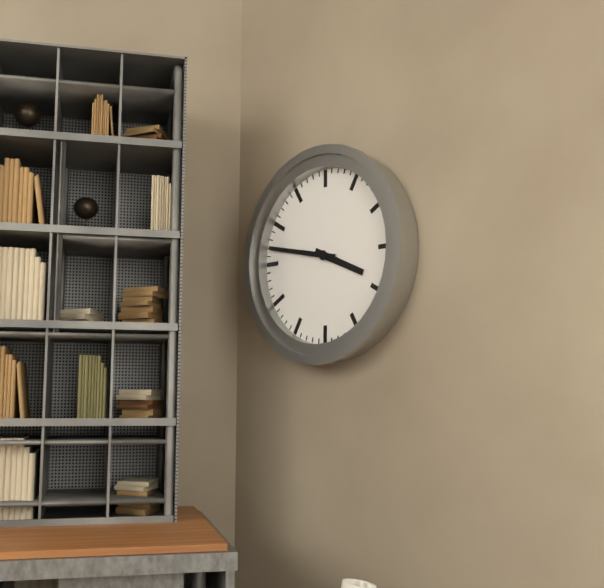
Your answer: 3,47
